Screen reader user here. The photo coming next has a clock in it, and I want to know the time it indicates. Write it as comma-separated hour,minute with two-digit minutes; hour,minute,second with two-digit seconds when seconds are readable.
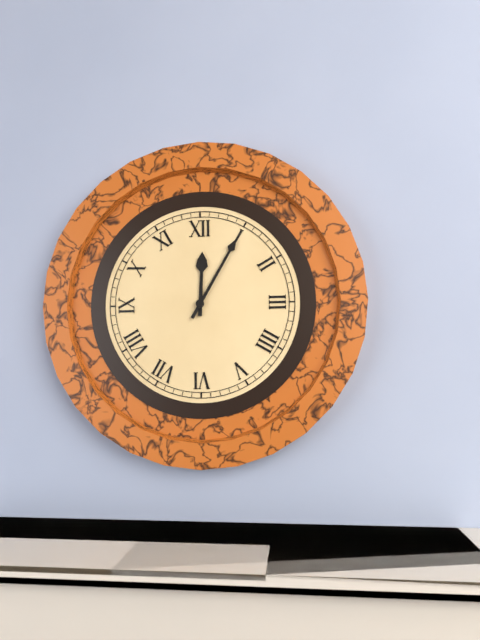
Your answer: 12,05
